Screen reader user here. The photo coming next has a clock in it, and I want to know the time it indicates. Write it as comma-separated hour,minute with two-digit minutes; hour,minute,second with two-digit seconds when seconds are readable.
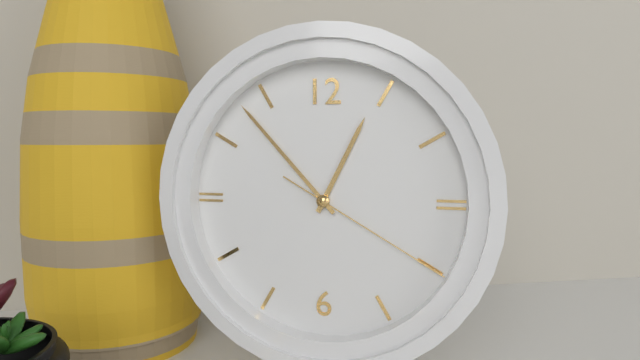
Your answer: 12,53,20
